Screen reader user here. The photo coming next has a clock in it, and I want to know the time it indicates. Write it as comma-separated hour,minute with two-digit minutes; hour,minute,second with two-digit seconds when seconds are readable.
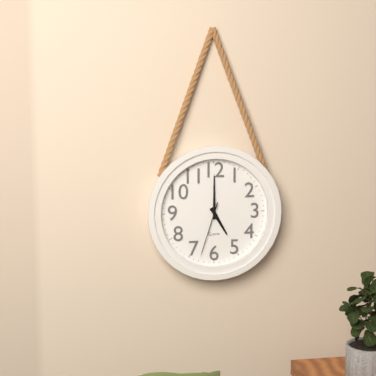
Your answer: 5,00,33
